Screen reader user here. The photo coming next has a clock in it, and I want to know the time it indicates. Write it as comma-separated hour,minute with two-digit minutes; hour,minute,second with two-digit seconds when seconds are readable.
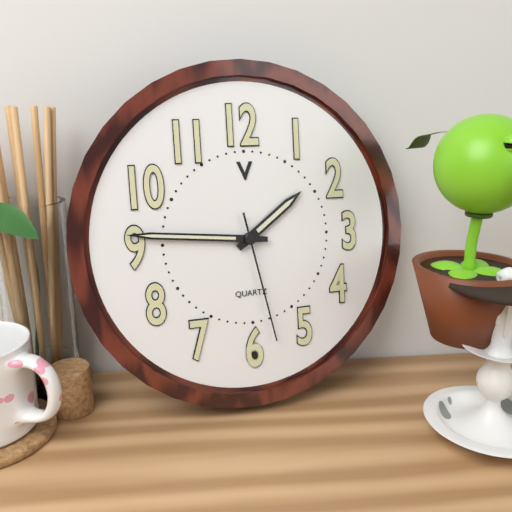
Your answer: 1,46,28
